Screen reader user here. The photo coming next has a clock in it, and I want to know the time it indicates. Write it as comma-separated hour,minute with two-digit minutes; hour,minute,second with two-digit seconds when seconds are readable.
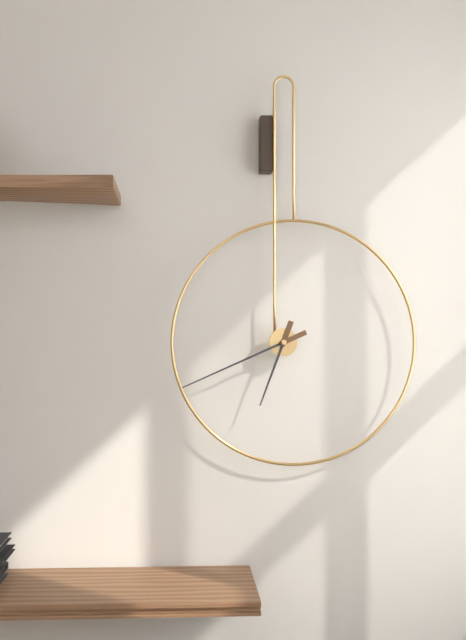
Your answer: 6,41
